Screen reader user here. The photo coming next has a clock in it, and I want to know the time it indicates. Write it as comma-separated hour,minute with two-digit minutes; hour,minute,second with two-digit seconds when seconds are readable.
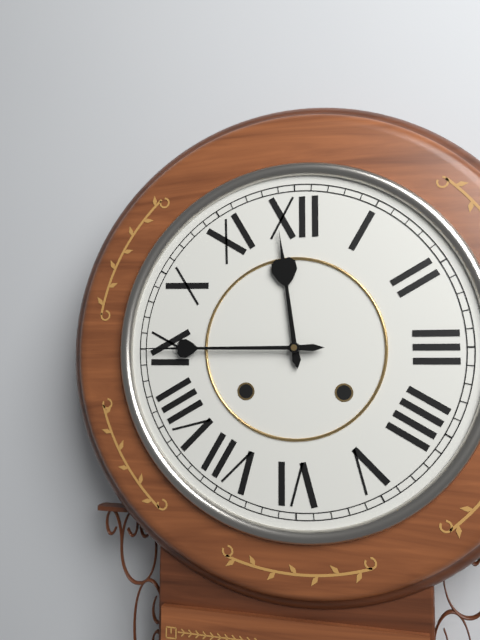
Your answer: 11,45
